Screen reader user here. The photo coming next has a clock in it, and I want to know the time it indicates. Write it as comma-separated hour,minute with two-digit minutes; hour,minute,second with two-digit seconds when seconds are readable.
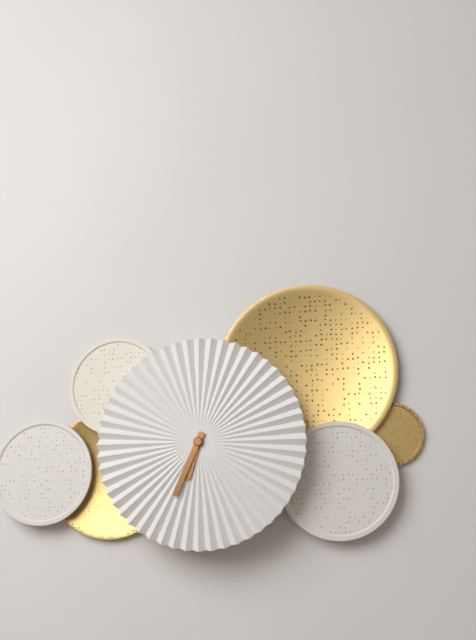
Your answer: 6,34
